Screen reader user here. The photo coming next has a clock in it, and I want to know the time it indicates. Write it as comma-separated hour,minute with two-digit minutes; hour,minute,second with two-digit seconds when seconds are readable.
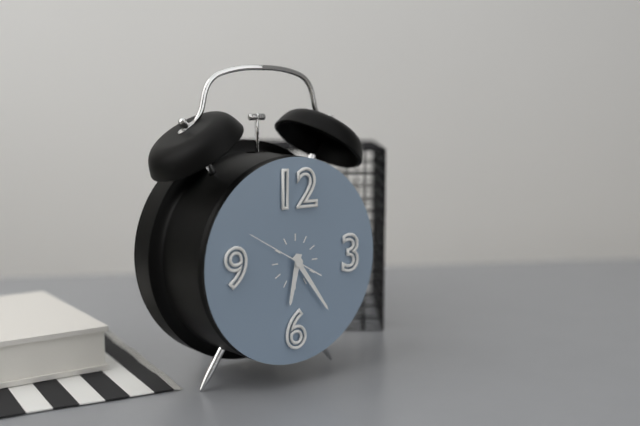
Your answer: 6,24,50
